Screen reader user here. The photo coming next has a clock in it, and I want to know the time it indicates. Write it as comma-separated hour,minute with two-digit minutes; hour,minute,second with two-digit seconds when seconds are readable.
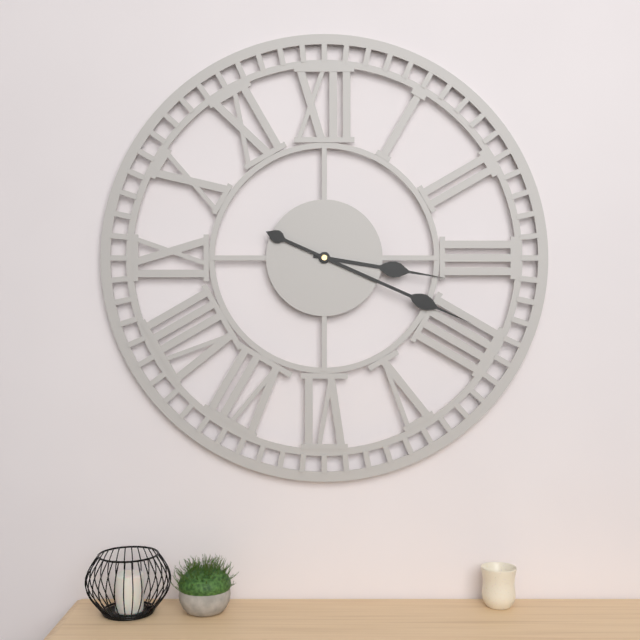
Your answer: 3,19
